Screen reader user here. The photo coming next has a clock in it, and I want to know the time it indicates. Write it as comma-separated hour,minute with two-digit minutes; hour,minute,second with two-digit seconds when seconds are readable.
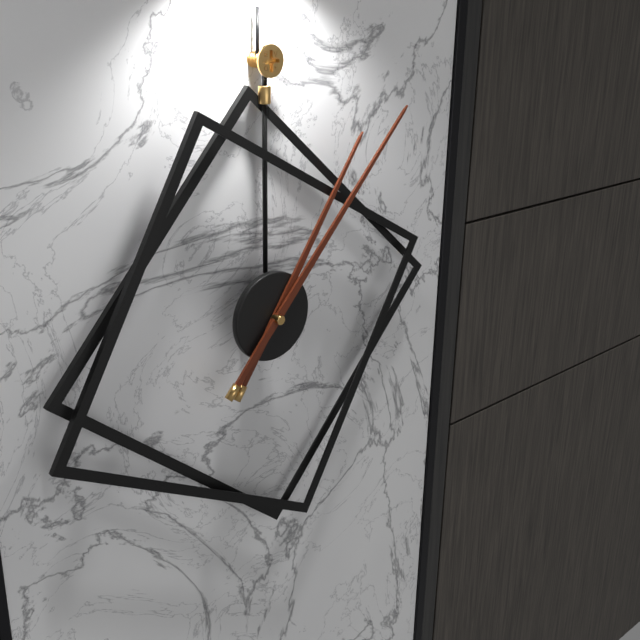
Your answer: 1,07
